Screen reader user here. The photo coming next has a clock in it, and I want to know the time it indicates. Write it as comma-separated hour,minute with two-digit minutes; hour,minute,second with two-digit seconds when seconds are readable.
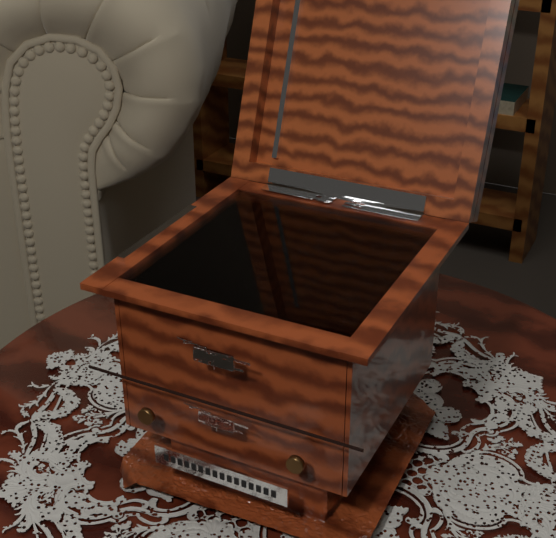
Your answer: 3,06
